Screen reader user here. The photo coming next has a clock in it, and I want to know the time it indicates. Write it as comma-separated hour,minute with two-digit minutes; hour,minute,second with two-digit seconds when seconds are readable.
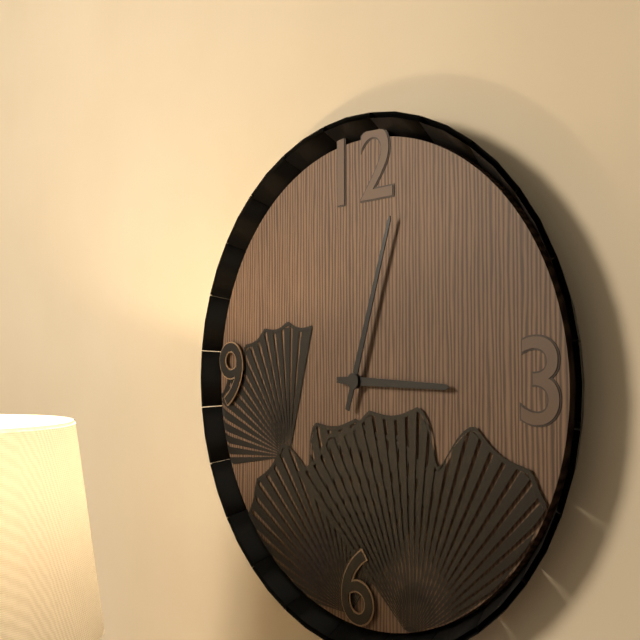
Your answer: 3,03
